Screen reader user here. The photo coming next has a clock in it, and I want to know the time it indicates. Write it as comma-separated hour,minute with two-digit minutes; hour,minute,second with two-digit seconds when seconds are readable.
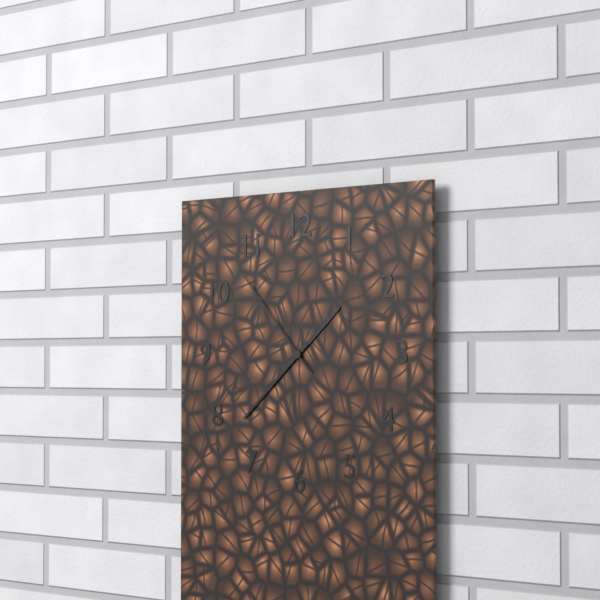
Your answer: 1,38,53
